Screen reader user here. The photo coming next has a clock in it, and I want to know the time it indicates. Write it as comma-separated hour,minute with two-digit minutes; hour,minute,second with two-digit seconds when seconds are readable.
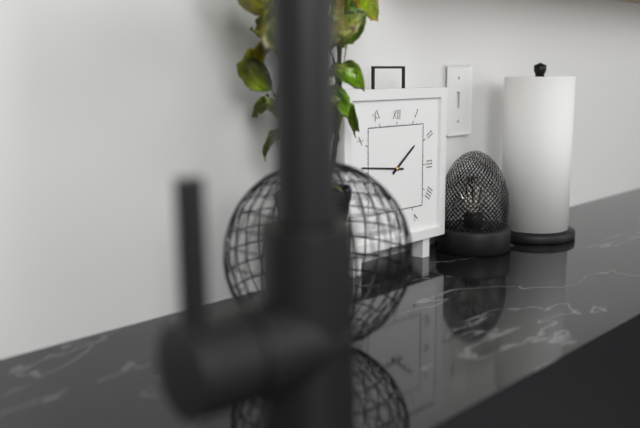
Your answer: 1,46
